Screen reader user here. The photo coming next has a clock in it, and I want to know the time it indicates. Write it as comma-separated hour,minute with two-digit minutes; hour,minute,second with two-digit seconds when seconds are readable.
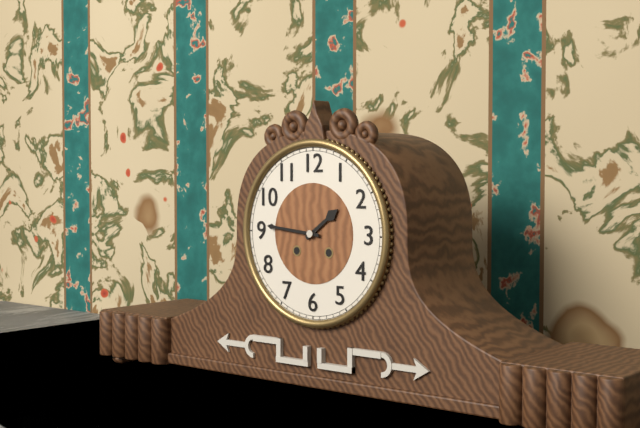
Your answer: 1,46
